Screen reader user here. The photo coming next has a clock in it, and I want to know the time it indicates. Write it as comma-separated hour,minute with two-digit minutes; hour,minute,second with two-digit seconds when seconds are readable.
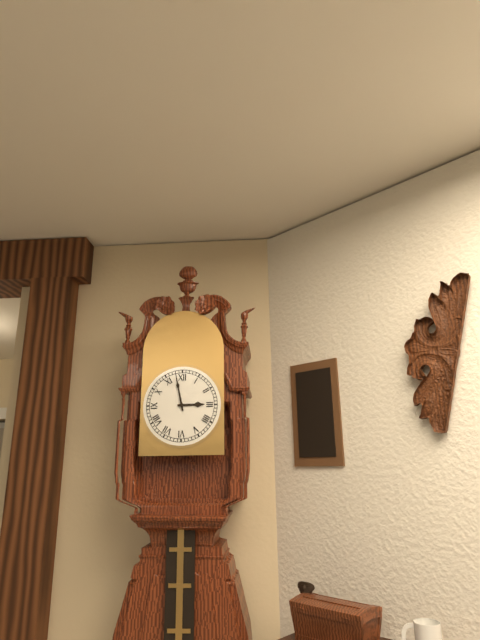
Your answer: 2,58
